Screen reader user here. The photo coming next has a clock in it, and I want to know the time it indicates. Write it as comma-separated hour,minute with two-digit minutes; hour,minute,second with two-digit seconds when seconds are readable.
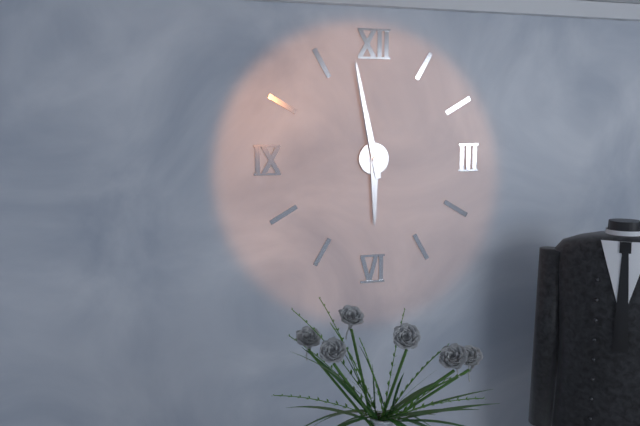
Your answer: 5,58
